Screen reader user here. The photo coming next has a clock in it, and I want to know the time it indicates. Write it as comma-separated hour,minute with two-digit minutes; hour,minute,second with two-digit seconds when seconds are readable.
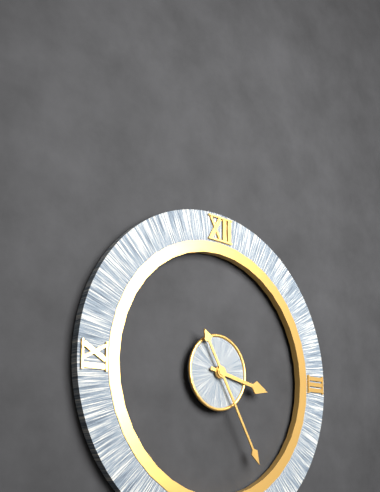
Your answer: 3,25
